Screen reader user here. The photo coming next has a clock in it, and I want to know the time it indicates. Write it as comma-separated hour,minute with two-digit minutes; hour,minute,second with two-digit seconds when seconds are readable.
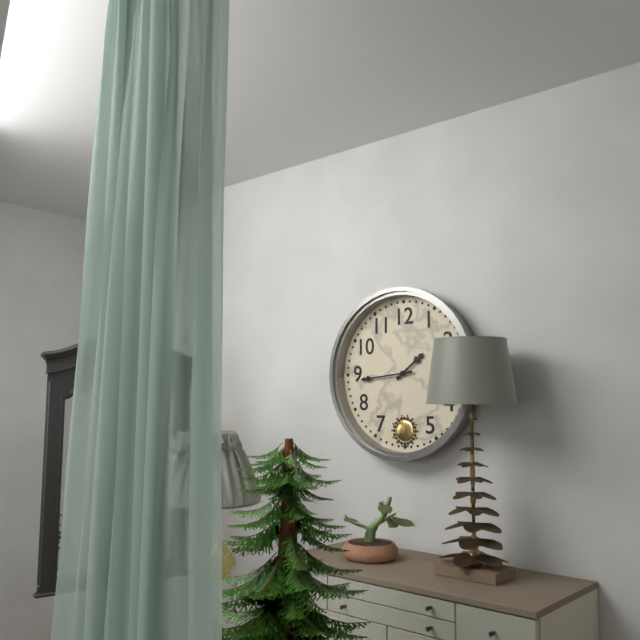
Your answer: 1,44
